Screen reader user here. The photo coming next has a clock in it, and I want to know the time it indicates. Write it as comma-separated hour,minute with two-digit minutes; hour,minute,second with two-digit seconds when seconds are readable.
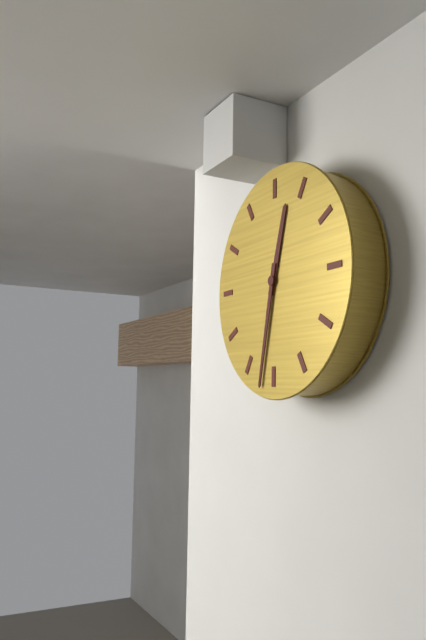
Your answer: 12,32
